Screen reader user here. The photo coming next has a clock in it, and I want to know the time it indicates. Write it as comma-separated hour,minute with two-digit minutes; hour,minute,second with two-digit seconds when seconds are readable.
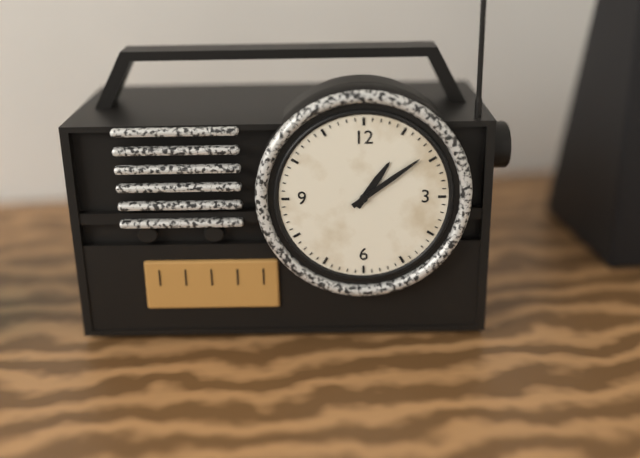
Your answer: 1,09
